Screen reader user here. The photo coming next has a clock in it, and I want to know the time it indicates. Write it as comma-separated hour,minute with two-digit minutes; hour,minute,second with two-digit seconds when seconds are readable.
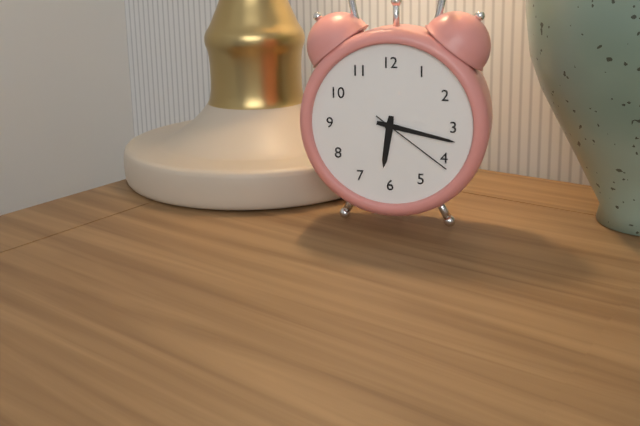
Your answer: 6,17,21
